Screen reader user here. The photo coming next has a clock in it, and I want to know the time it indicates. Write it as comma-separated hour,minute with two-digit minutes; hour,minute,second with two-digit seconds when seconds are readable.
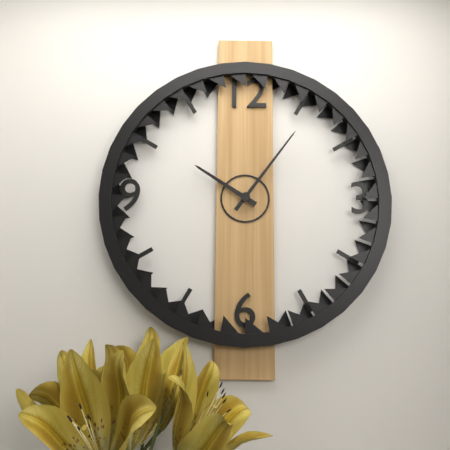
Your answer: 10,06
